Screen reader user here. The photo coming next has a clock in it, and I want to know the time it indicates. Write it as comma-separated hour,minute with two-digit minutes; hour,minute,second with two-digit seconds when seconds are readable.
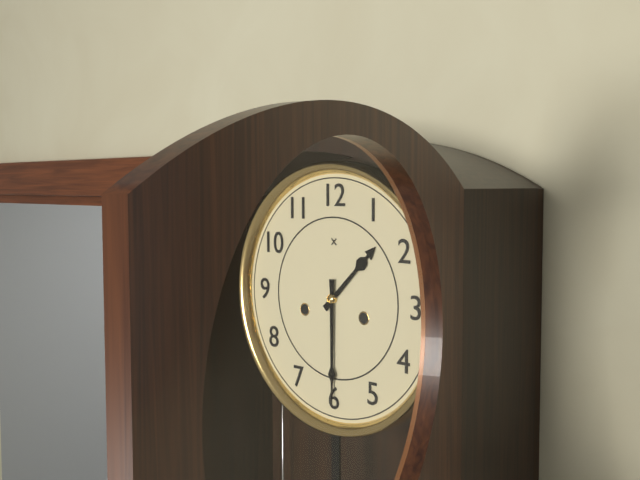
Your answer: 1,30
